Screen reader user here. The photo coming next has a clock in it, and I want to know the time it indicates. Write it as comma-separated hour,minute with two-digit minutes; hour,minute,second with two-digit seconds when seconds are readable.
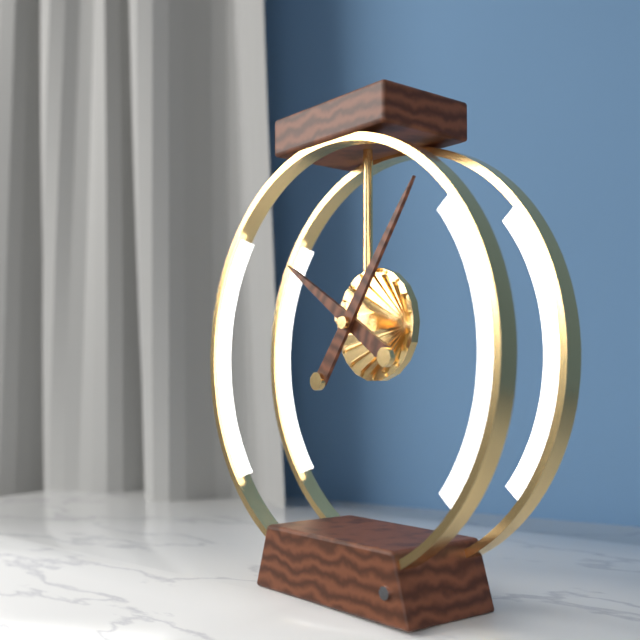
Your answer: 10,06
